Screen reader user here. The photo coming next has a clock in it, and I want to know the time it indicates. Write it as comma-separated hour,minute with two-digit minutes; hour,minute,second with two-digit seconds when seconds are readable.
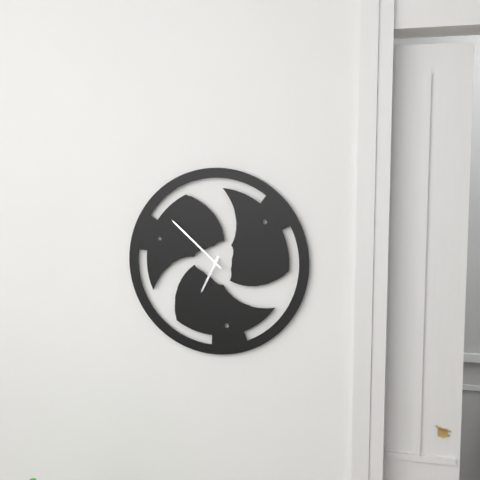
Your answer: 6,52
